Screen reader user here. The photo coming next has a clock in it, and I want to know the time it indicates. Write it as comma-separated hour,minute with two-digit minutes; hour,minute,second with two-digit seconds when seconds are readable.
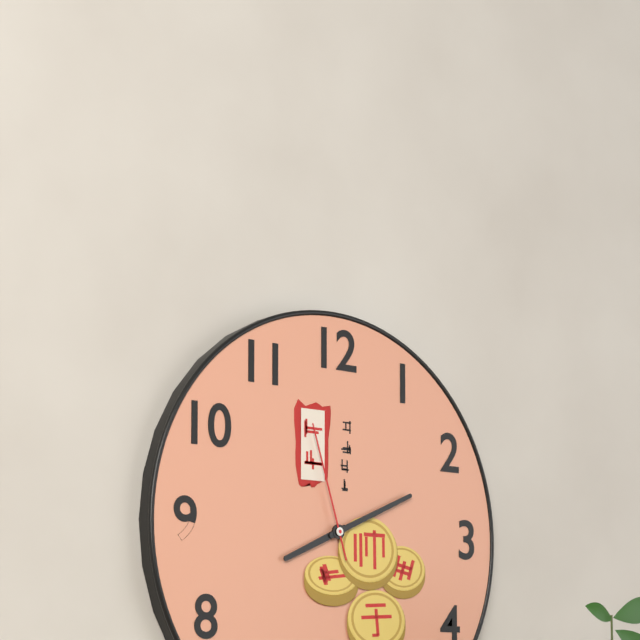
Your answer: 8,11,57
